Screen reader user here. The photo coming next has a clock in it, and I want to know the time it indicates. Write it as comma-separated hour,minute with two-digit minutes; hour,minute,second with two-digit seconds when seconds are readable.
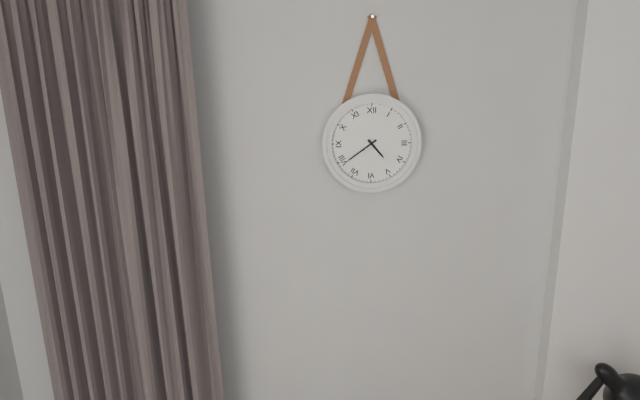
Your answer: 4,39
